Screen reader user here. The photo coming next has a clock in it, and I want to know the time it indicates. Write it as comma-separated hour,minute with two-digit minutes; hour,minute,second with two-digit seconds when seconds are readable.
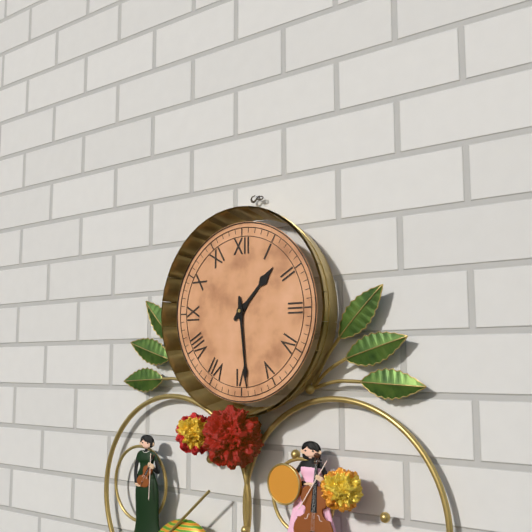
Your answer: 1,29
